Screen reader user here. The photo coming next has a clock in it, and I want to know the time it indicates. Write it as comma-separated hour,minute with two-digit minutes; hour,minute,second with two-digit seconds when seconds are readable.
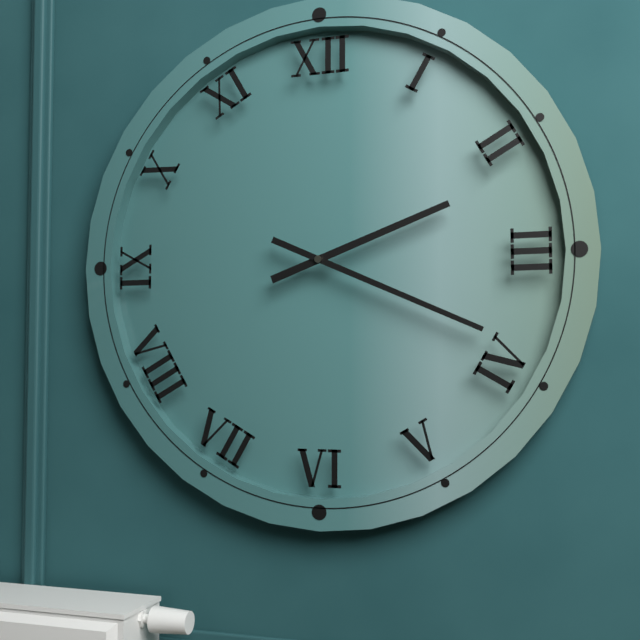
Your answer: 2,19
